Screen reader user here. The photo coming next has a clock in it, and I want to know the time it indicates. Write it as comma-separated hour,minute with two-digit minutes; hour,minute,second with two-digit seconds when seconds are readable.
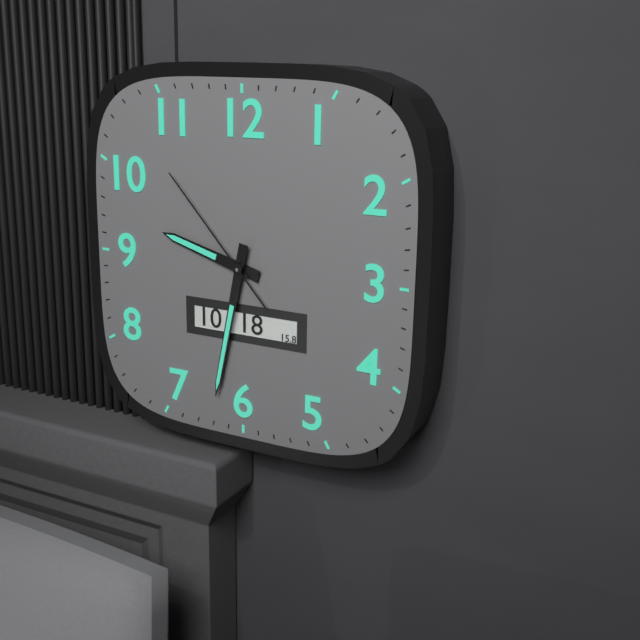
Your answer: 9,32,53
